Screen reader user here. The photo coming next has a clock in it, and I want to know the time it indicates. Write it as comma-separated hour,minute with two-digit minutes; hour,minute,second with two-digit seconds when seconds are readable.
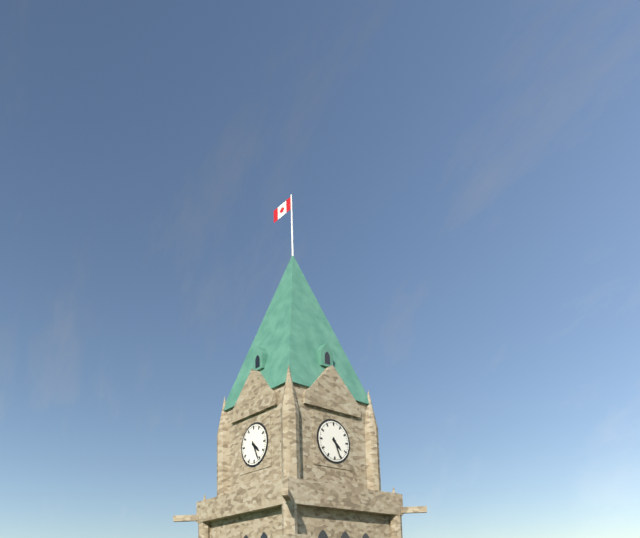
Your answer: 4,26
